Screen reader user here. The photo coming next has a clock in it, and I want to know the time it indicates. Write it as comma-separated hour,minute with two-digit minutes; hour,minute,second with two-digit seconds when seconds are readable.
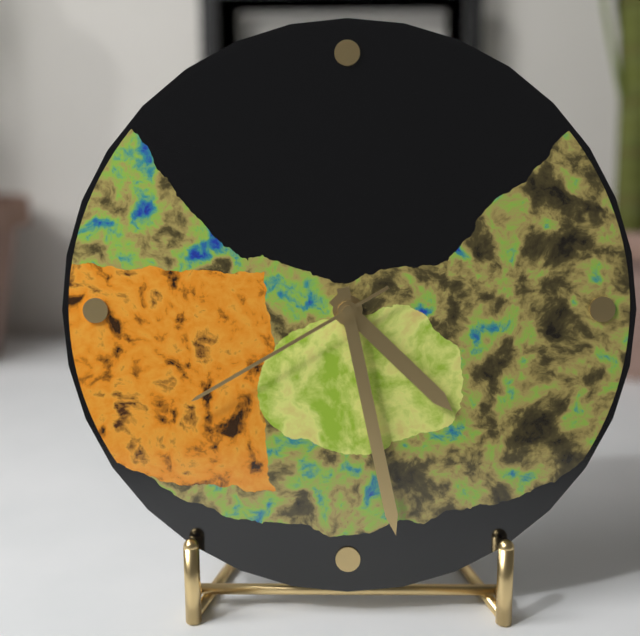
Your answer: 4,28,40
